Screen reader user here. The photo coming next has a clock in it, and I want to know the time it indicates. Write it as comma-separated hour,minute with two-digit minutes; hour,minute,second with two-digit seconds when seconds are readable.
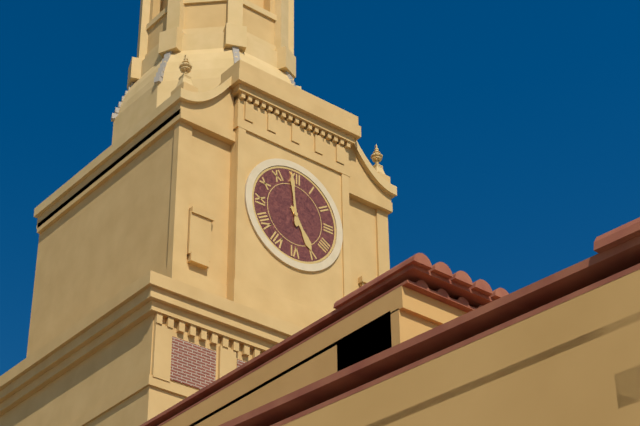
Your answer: 4,59
